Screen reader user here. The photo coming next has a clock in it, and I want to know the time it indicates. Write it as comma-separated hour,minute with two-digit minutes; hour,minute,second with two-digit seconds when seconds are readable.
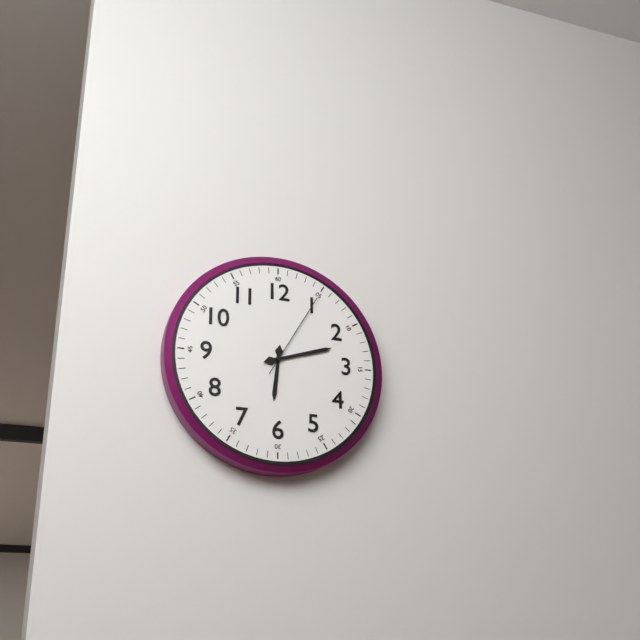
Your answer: 6,12,05
